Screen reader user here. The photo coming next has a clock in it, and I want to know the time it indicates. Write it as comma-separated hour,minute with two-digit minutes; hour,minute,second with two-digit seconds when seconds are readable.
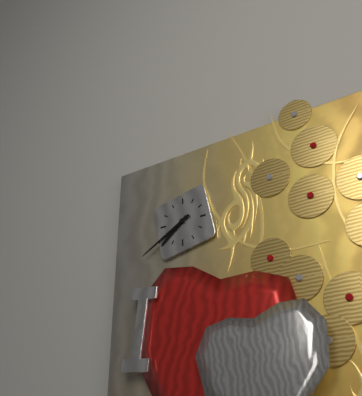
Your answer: 7,40
